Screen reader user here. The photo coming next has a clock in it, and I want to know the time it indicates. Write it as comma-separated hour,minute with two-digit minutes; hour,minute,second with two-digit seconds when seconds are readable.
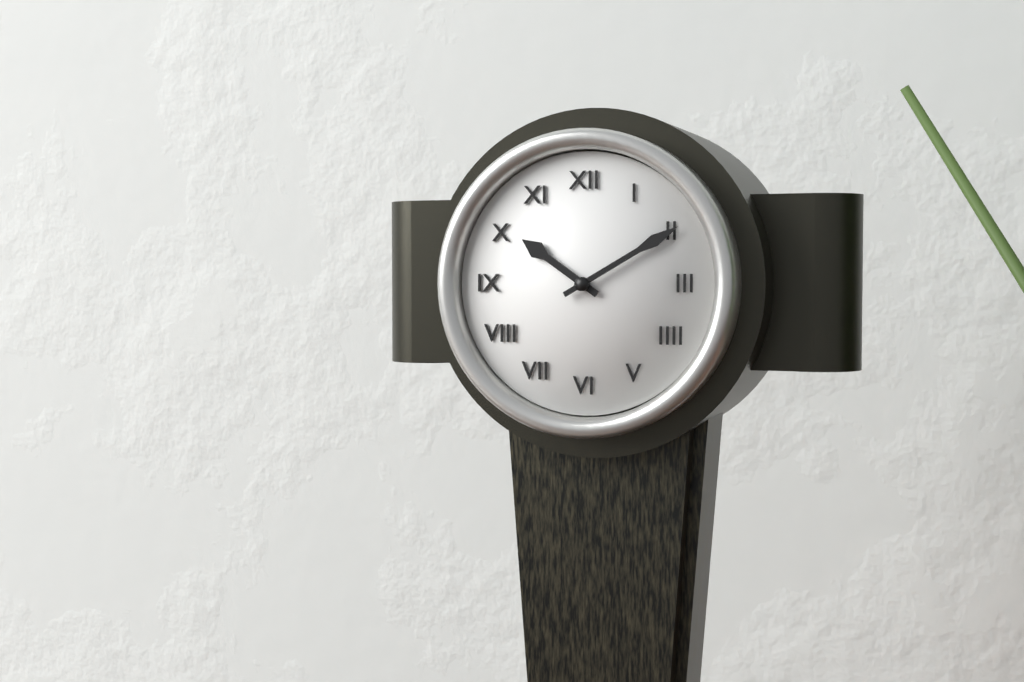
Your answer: 10,10
